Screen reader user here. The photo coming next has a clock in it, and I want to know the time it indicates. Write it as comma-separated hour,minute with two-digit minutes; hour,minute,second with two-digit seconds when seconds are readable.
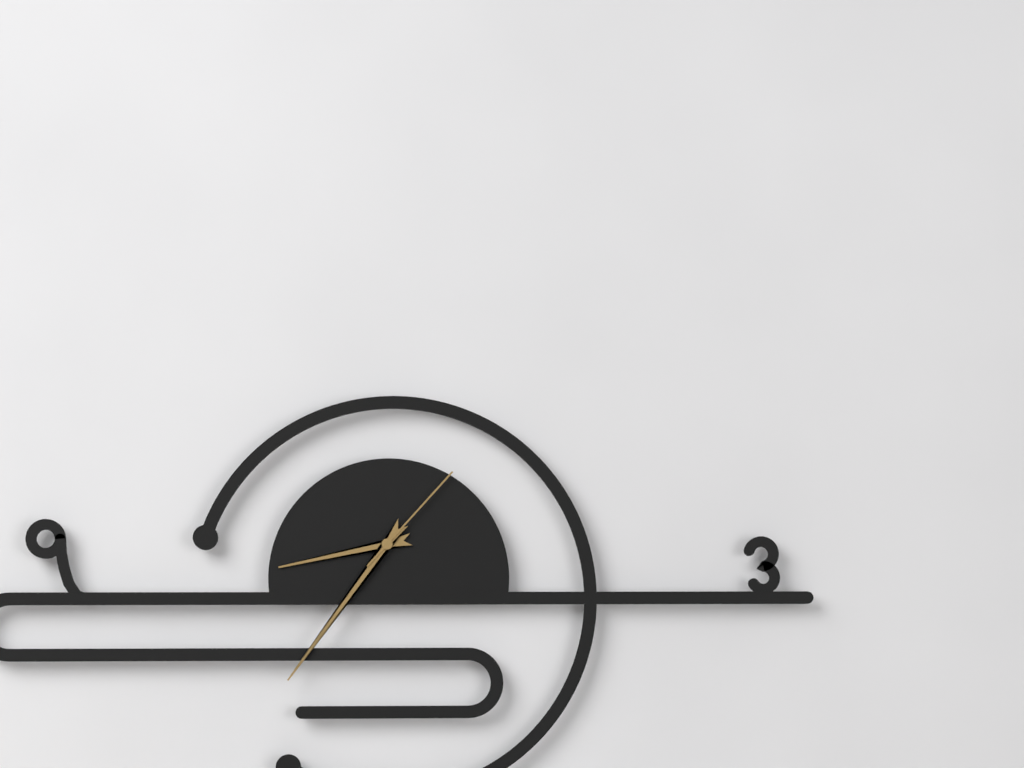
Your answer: 8,36,07
